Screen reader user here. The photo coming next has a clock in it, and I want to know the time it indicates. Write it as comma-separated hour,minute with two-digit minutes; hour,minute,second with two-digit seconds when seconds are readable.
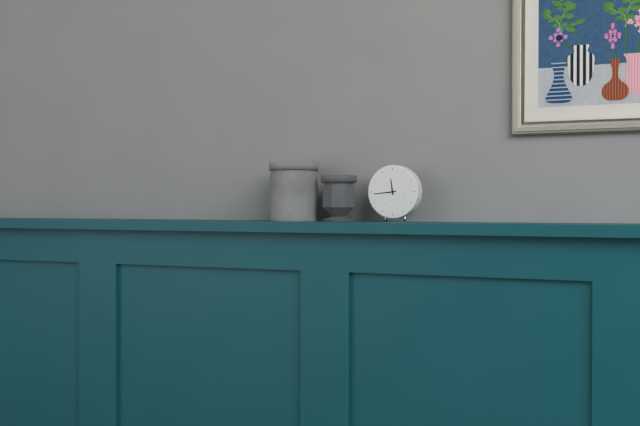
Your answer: 11,44
